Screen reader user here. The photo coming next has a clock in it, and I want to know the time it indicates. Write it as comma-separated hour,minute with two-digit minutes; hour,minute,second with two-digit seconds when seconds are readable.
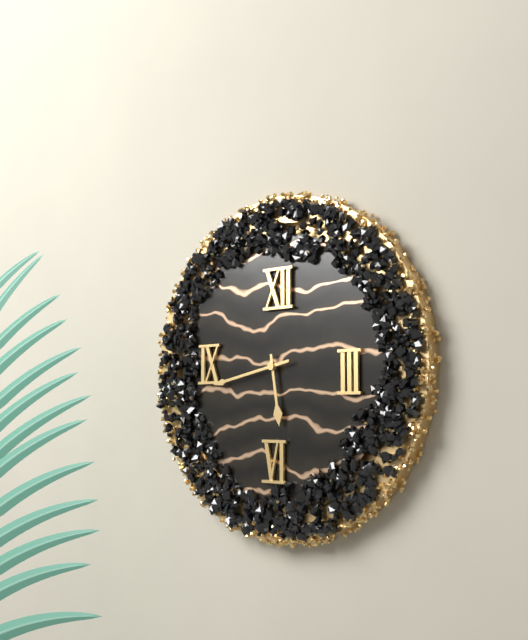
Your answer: 5,43
